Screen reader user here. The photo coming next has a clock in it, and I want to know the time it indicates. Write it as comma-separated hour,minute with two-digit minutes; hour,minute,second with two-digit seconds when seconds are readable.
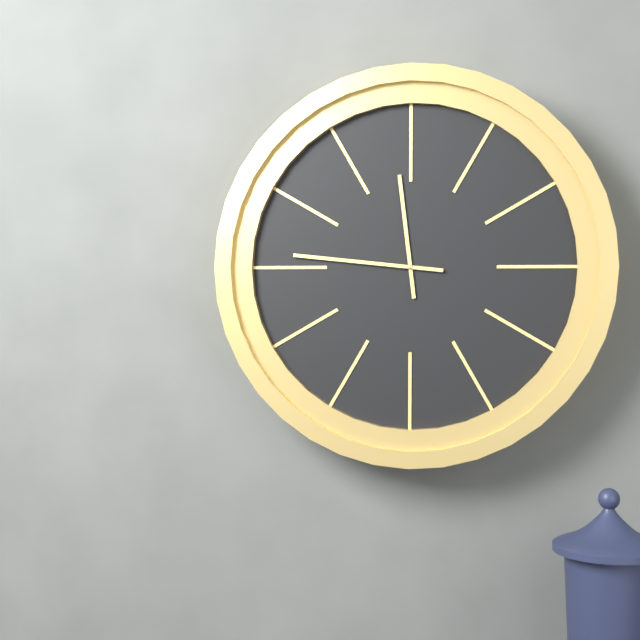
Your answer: 11,46
